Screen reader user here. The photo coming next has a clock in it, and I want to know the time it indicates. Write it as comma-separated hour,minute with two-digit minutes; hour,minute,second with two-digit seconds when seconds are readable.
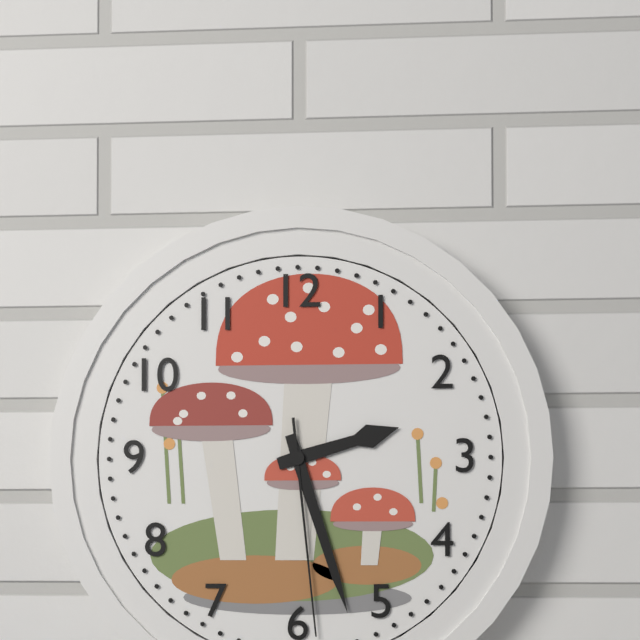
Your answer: 2,27,29
